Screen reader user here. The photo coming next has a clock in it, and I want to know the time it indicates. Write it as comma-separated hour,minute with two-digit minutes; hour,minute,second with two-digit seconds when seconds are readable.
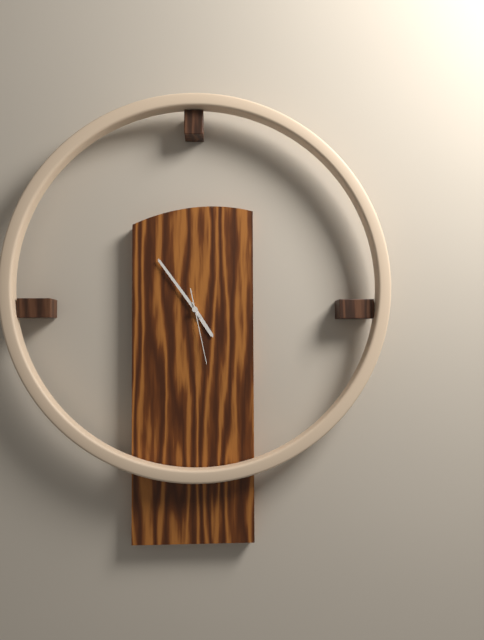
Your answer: 4,54,28
